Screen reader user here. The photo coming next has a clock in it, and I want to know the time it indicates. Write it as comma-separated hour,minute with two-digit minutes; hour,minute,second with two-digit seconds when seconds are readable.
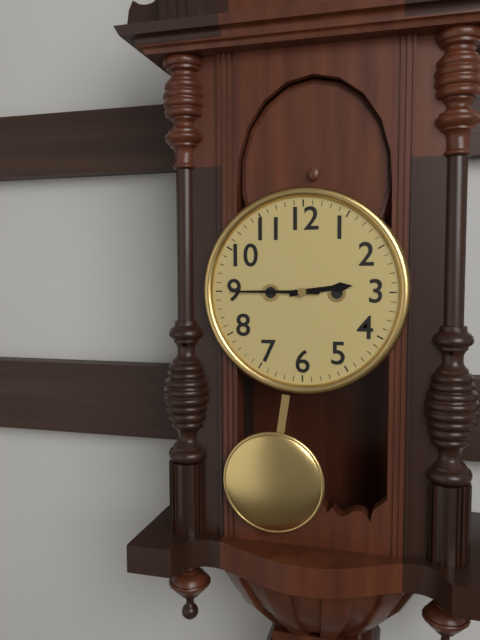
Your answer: 2,45
